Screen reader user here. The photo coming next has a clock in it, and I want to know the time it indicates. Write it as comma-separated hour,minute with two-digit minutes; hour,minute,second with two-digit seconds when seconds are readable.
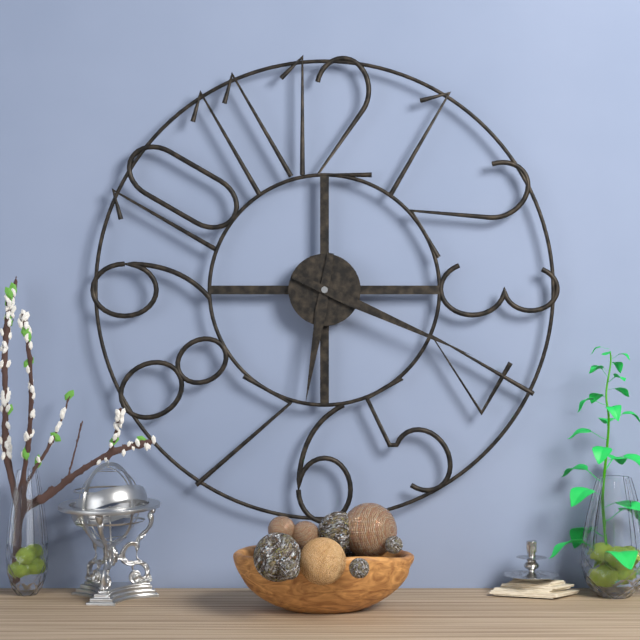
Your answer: 6,19
